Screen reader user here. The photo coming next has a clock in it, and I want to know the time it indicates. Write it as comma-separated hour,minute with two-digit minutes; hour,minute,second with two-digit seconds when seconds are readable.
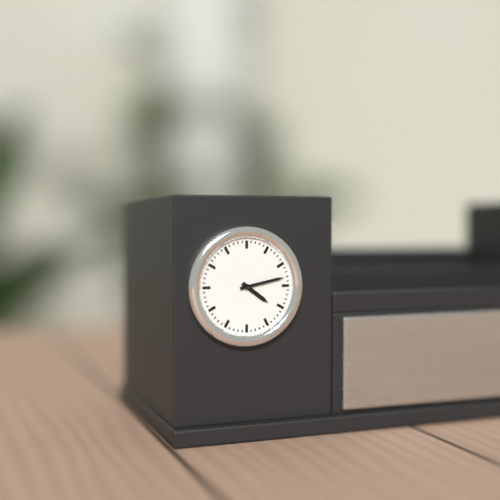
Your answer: 4,13
